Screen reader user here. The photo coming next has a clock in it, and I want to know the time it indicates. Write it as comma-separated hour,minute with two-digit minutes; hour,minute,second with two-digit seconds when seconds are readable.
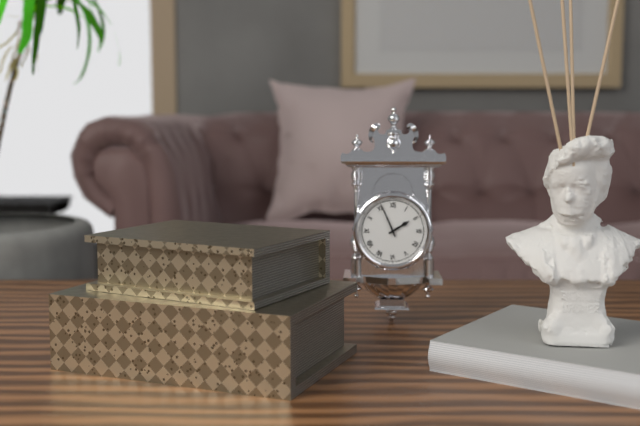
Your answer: 1,56
